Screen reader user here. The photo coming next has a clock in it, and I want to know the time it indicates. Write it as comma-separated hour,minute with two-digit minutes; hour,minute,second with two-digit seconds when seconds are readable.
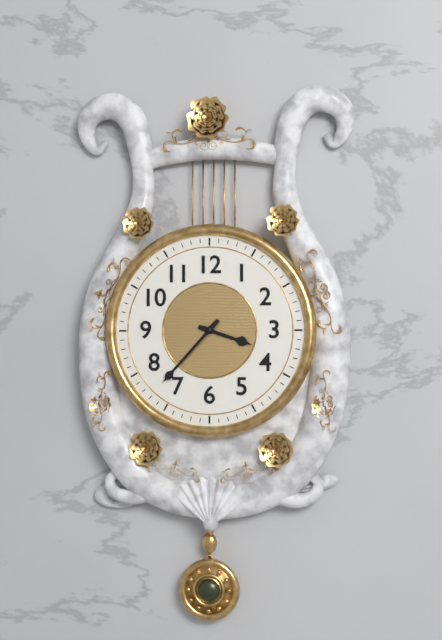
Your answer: 3,37
